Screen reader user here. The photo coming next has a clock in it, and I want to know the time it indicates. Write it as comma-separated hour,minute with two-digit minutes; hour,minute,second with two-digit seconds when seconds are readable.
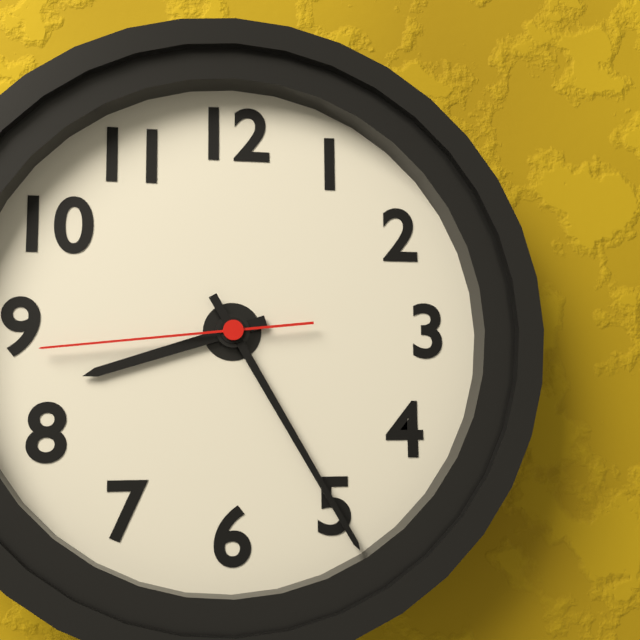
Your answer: 8,25,44
